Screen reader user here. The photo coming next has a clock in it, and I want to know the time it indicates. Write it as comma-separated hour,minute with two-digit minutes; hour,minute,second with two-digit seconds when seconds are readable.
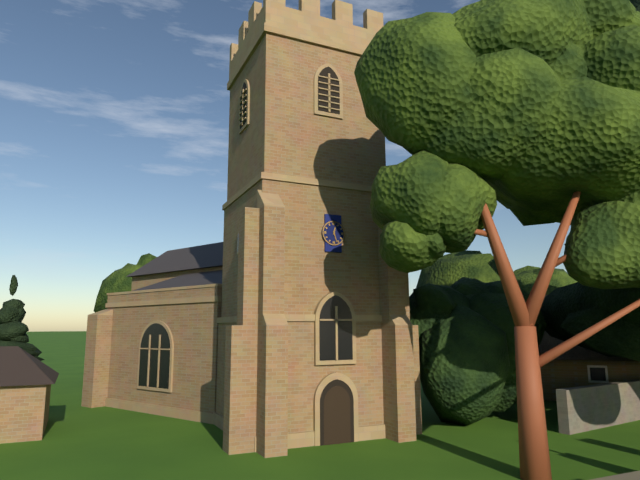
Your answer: 12,27
